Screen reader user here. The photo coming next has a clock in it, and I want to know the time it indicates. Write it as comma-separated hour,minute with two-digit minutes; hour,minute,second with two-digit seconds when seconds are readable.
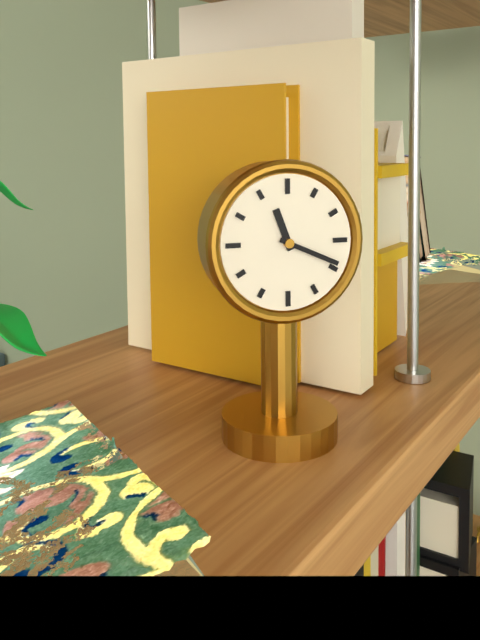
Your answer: 11,19
